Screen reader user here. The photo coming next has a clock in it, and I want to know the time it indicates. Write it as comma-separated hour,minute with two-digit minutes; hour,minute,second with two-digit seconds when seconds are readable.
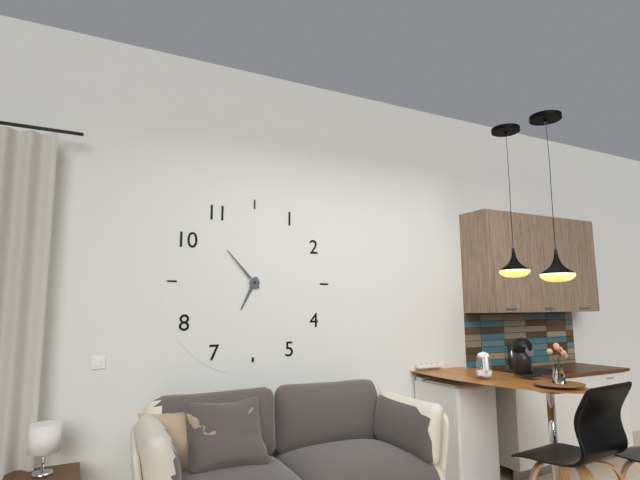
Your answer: 6,53
